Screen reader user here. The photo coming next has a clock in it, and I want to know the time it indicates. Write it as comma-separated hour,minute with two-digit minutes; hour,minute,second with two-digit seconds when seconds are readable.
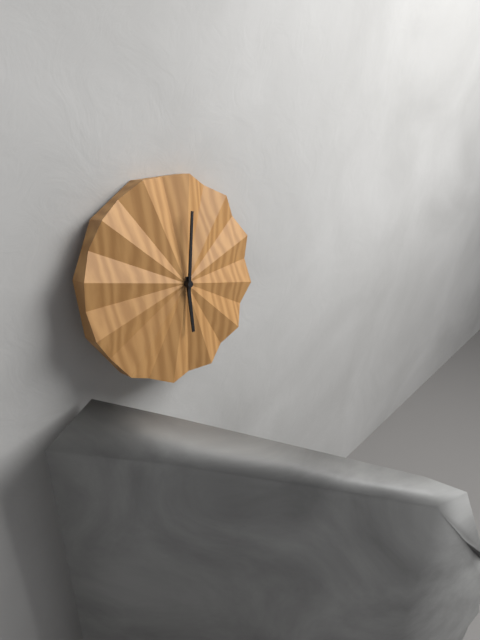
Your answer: 6,02
